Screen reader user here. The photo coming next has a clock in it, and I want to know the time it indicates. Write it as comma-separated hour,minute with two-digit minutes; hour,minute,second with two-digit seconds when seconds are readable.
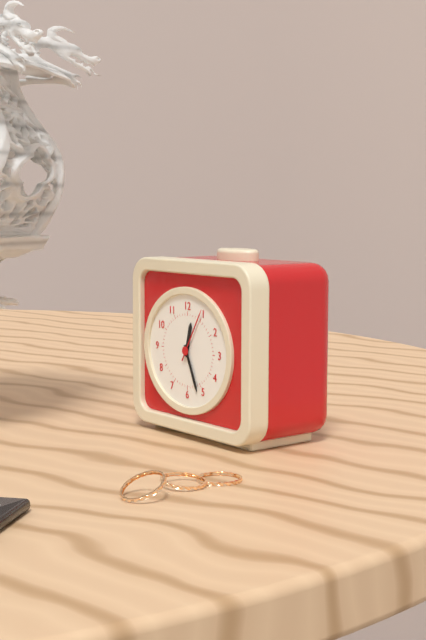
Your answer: 12,26,05
